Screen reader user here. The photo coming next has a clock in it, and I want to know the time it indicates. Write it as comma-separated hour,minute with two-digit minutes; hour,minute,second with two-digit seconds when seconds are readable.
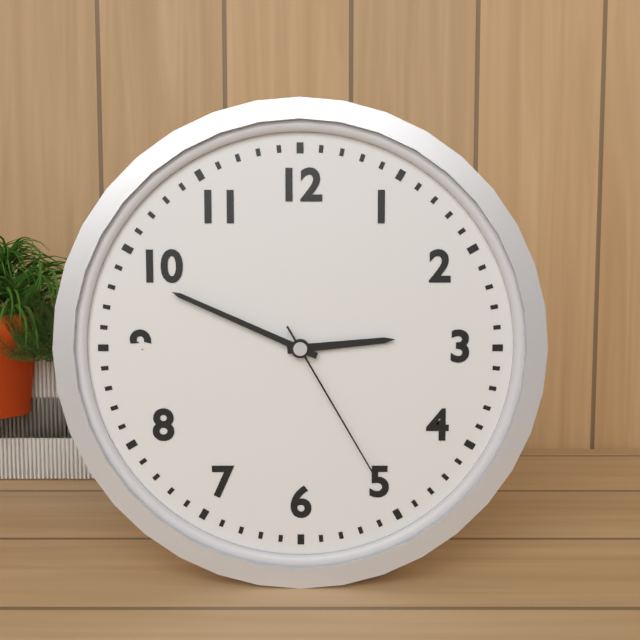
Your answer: 2,49,25
